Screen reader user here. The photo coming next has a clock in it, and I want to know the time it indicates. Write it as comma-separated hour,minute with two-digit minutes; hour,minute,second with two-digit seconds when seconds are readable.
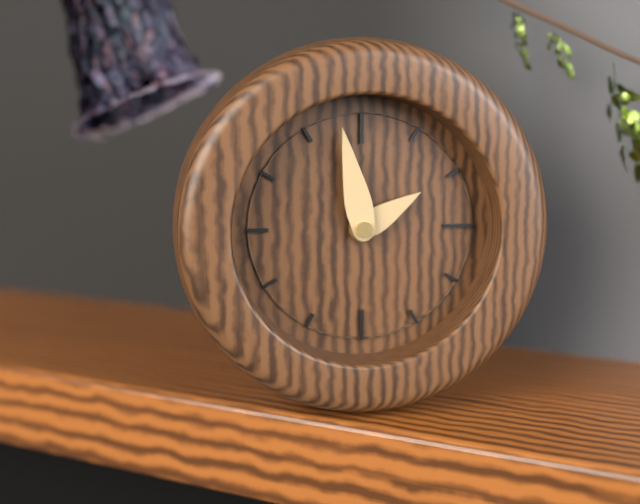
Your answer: 1,58
